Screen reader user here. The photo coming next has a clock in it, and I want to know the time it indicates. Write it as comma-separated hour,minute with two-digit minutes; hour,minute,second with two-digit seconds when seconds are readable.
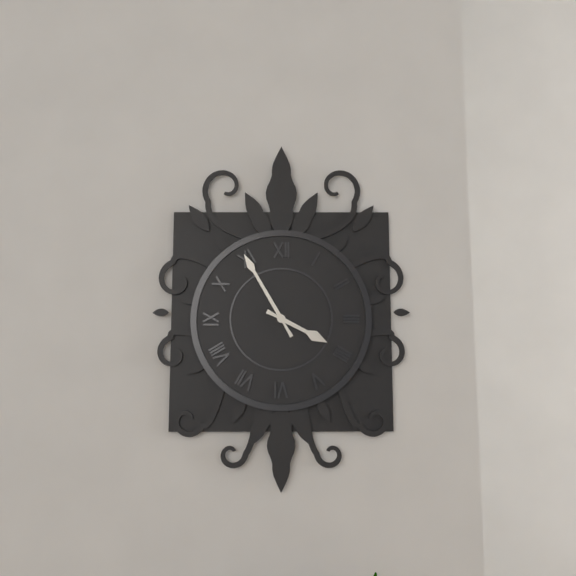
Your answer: 3,55
